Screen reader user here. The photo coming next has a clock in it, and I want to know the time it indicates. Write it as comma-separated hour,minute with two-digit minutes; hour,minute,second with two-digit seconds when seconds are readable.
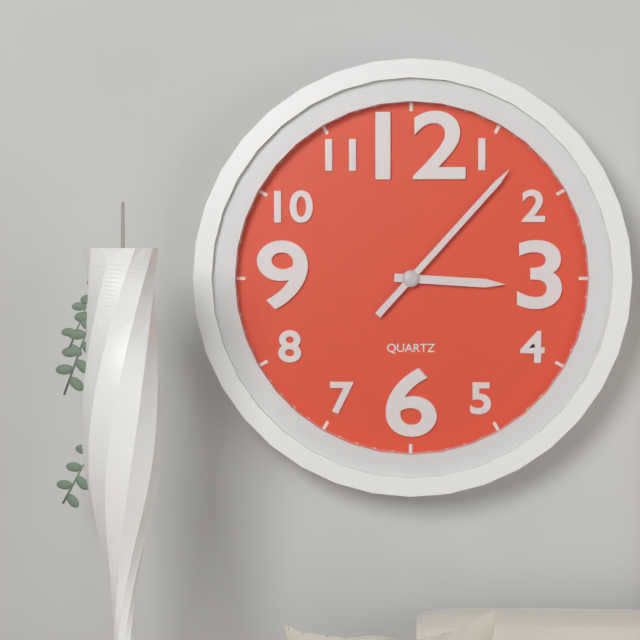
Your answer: 3,07
